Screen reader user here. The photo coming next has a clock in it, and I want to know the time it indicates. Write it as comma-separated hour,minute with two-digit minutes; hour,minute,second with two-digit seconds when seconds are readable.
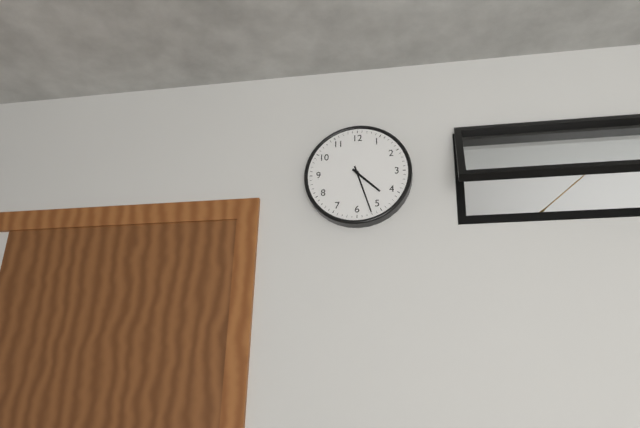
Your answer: 4,27
